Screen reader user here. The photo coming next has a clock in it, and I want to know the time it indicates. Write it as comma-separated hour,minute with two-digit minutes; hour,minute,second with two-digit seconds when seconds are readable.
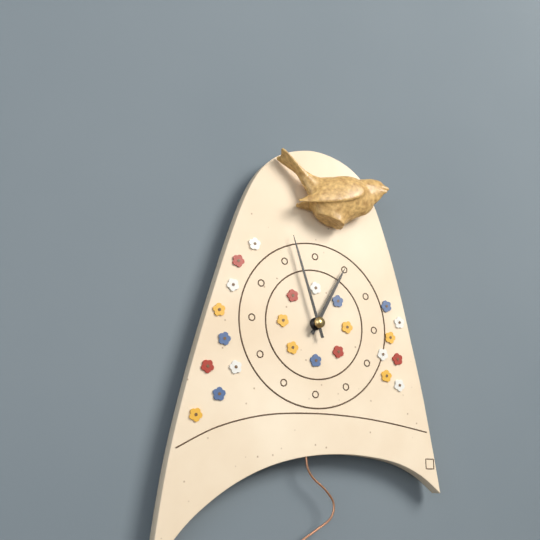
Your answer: 12,57
